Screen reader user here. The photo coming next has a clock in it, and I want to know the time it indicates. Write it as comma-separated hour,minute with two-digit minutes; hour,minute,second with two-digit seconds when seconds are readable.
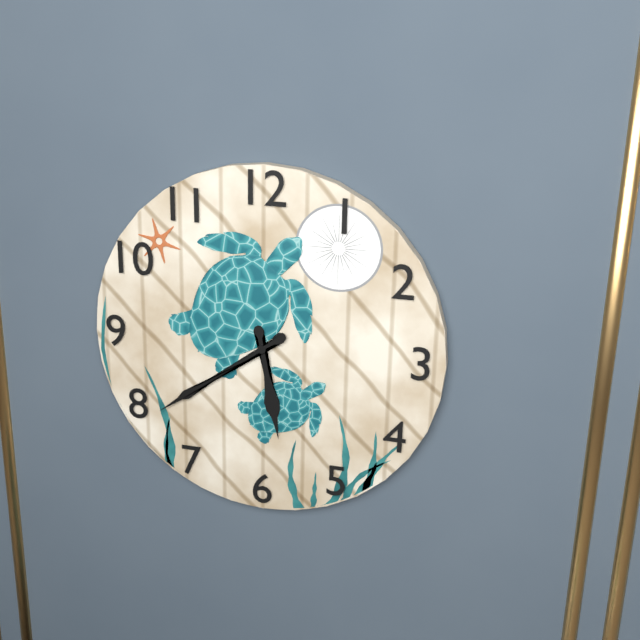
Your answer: 5,39
